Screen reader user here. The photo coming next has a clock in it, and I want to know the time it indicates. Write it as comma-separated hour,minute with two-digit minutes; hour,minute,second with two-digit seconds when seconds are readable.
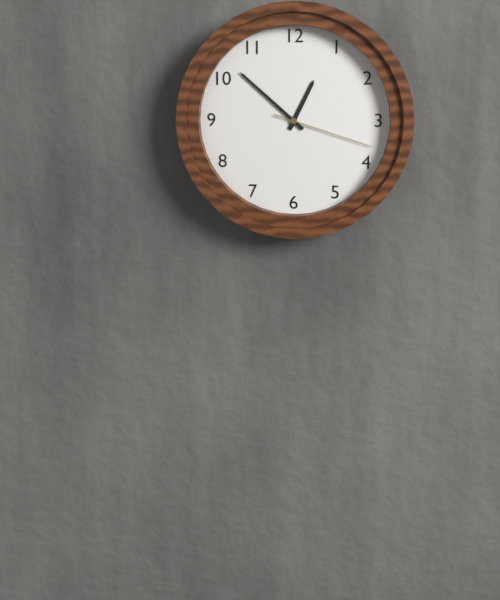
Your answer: 12,52,18
